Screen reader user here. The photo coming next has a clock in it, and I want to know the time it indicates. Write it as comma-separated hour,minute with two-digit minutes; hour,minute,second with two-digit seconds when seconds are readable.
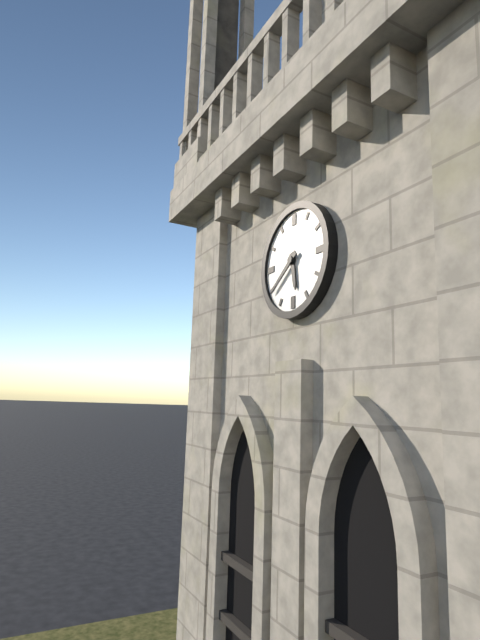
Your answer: 5,39
